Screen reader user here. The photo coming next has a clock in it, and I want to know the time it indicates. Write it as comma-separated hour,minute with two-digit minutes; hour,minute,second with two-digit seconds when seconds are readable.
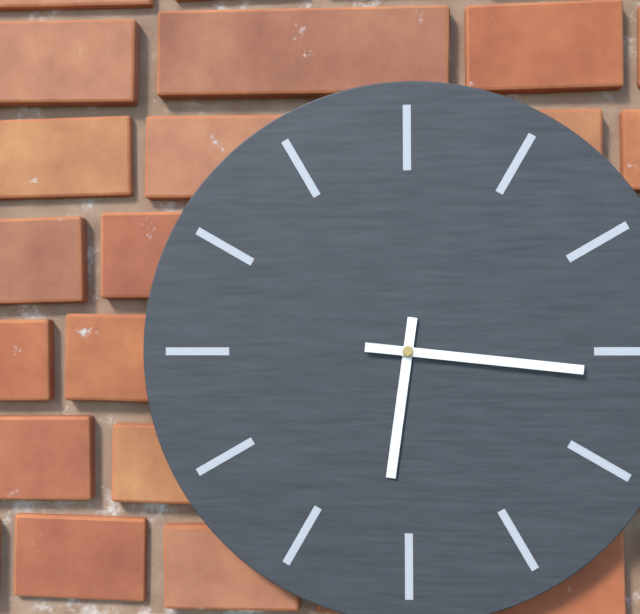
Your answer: 6,16
